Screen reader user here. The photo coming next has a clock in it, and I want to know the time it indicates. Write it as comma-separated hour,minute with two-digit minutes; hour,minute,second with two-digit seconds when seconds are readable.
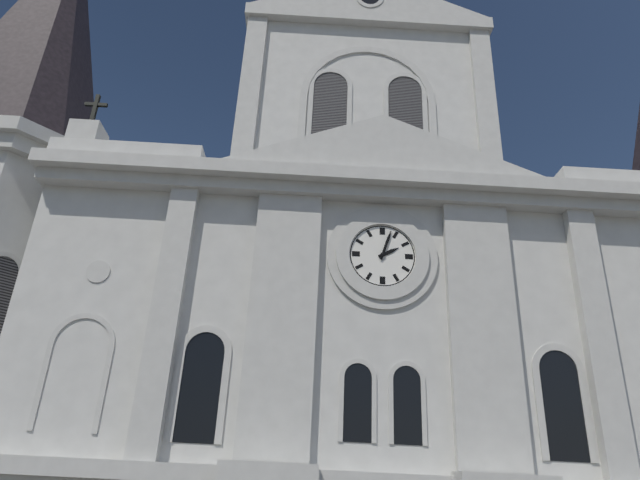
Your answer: 2,03
